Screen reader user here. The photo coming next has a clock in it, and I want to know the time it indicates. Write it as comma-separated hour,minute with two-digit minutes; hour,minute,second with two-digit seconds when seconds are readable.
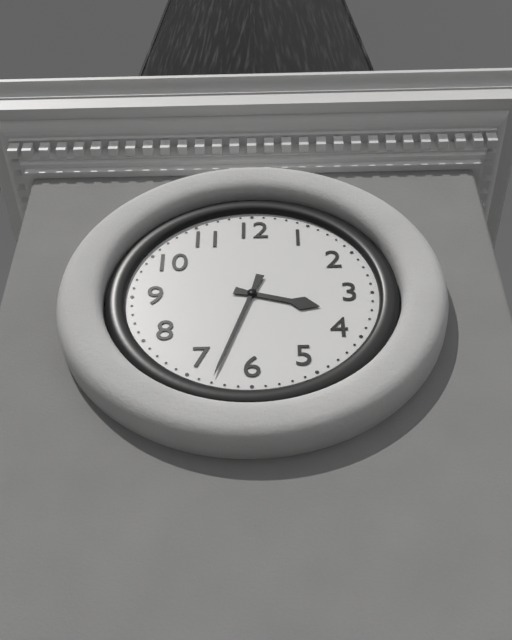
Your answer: 3,33
